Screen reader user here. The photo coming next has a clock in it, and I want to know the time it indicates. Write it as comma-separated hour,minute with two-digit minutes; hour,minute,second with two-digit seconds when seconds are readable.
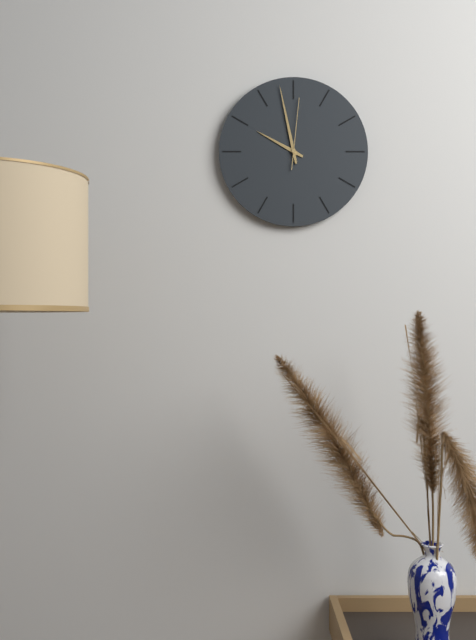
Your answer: 9,58,01
